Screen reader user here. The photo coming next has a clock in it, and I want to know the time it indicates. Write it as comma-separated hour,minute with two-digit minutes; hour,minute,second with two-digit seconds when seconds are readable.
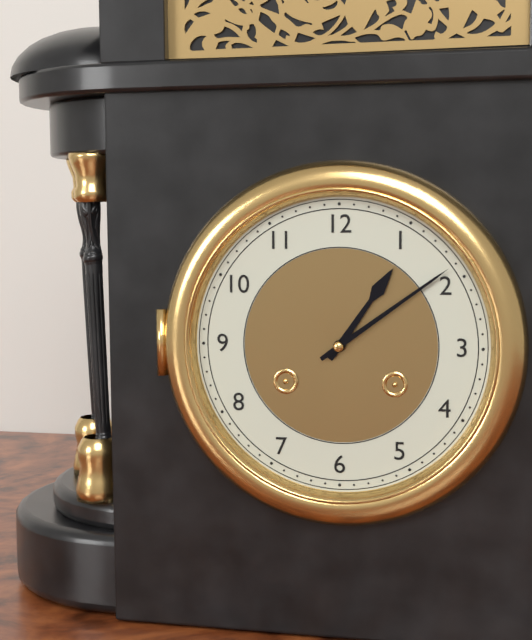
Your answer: 1,09
